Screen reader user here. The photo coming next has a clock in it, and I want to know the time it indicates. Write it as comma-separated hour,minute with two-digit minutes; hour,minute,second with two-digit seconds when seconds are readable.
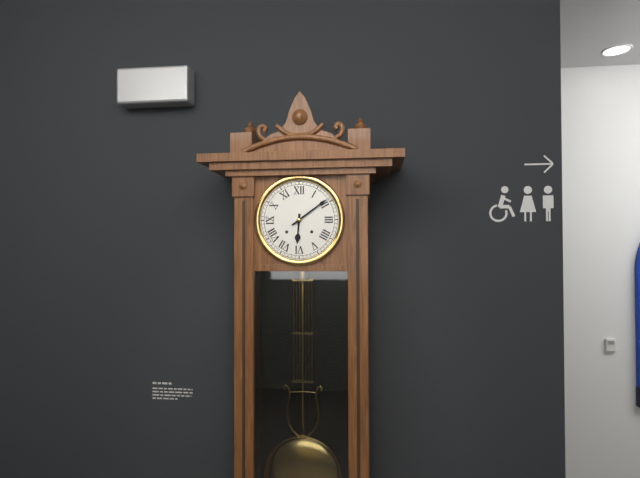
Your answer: 6,09
